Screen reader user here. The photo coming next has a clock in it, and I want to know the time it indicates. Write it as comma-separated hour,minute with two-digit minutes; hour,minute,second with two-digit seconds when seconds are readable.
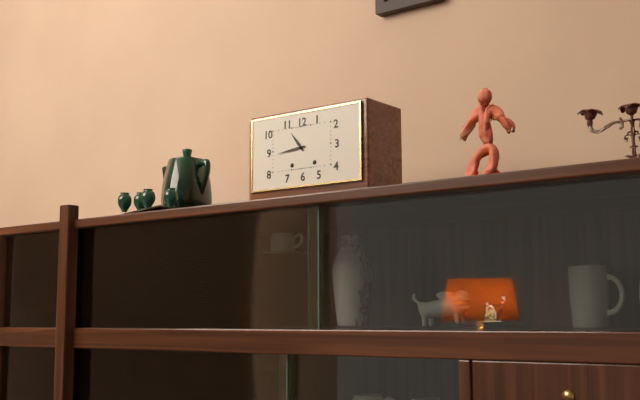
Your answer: 10,44
